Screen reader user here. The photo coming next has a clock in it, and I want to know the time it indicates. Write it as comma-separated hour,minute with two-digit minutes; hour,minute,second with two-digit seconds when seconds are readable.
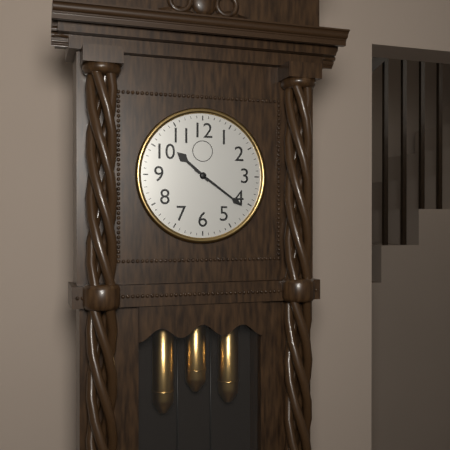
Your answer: 10,21
